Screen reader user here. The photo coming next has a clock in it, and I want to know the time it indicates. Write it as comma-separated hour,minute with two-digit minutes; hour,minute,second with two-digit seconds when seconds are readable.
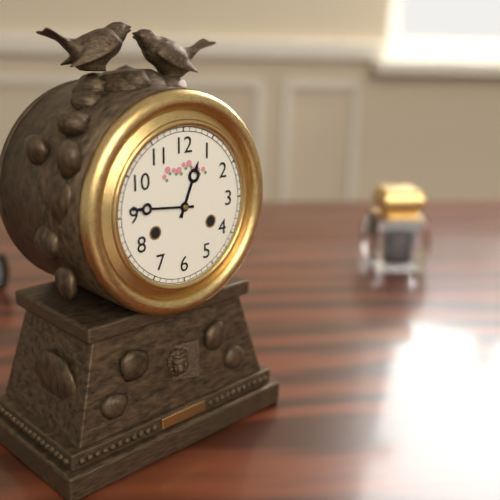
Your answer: 12,46
